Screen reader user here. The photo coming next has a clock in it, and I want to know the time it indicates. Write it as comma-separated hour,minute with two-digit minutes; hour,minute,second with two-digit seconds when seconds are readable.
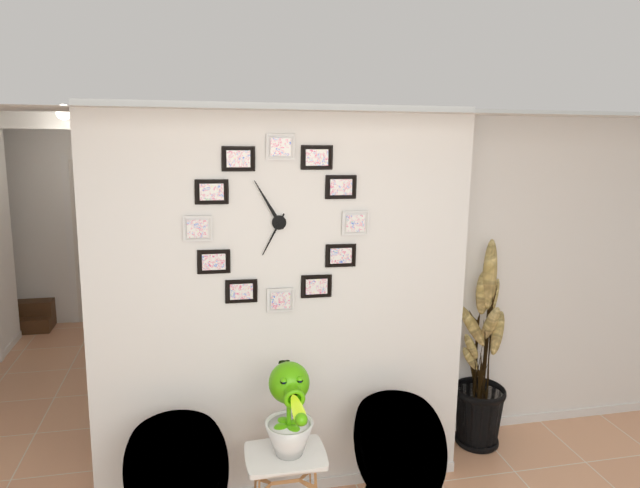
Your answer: 6,55
